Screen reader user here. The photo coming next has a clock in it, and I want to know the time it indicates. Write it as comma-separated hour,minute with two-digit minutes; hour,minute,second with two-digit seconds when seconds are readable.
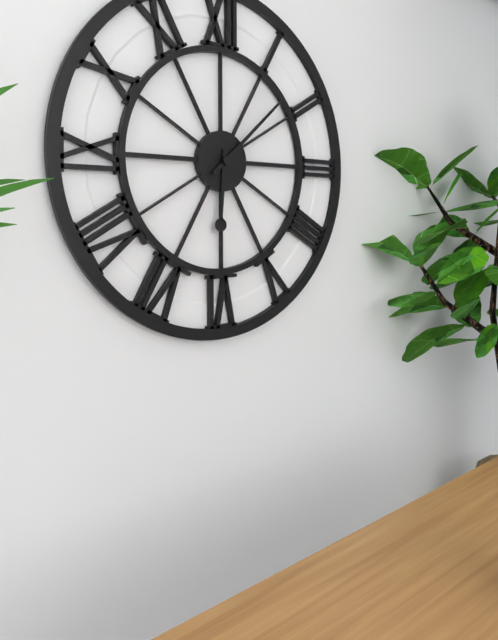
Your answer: 6,08
